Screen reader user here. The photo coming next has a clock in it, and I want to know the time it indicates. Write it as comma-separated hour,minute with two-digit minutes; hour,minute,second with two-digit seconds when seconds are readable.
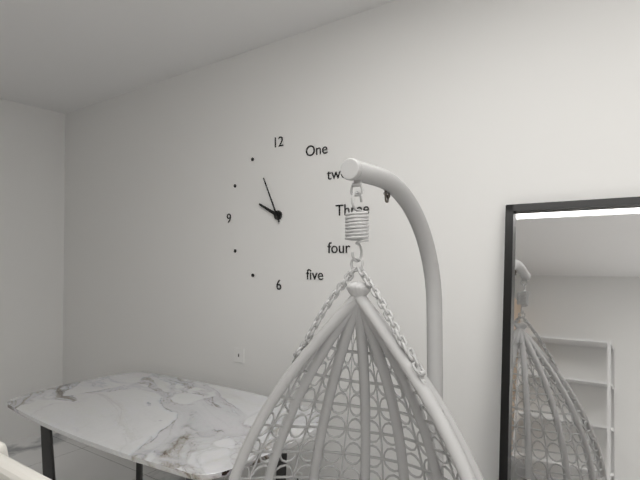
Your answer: 9,56
